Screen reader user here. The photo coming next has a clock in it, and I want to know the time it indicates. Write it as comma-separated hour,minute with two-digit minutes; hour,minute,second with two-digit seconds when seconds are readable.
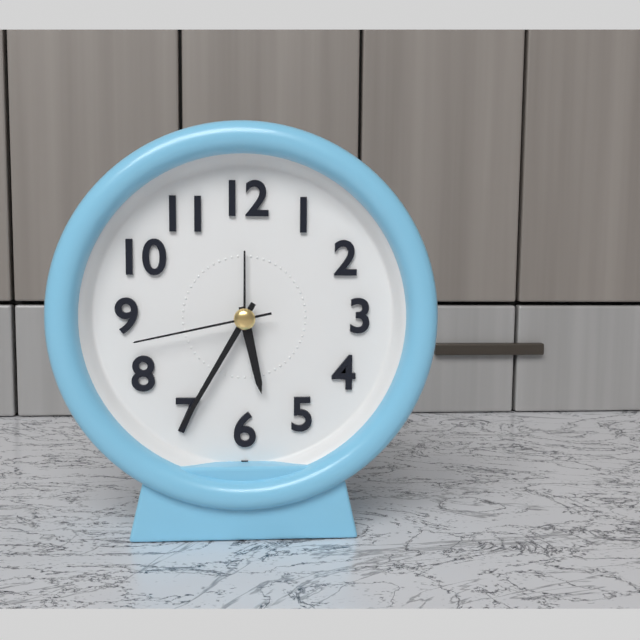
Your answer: 5,35,43
